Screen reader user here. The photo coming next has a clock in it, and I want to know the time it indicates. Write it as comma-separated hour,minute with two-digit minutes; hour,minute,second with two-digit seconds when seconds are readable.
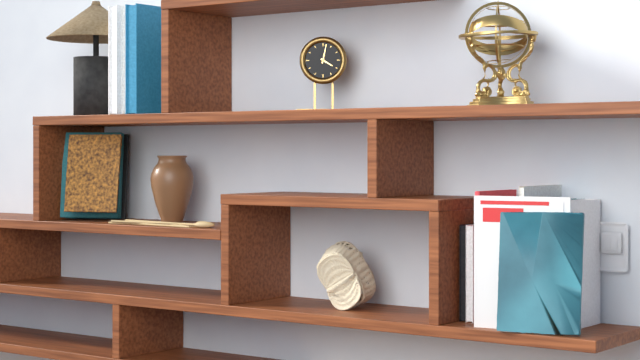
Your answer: 4,02
